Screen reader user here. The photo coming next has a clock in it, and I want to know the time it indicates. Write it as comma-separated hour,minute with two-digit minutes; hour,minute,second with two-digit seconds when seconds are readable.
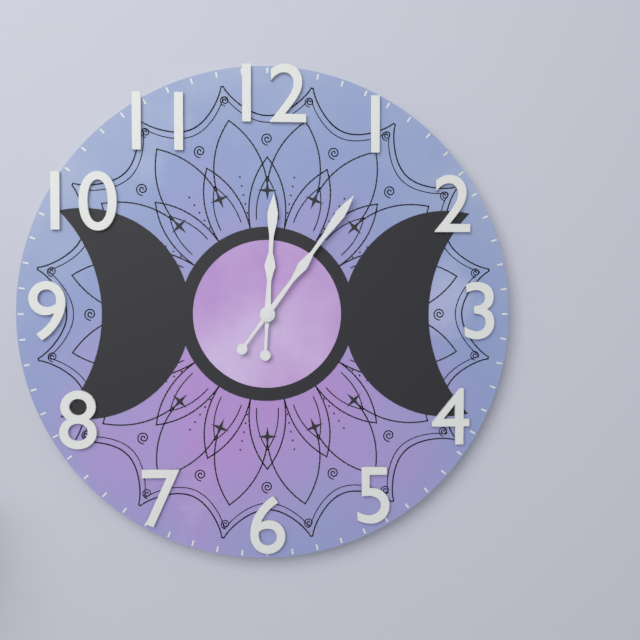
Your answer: 12,06
